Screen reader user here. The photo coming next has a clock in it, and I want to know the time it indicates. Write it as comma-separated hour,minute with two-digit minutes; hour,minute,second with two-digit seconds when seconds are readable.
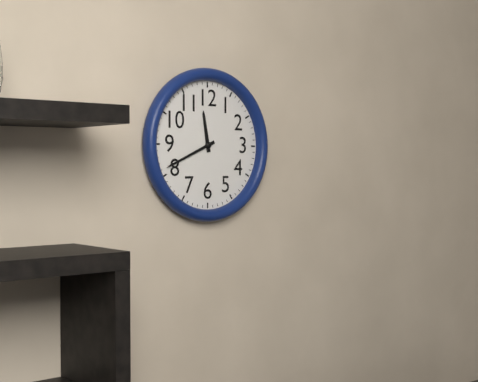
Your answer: 11,41
